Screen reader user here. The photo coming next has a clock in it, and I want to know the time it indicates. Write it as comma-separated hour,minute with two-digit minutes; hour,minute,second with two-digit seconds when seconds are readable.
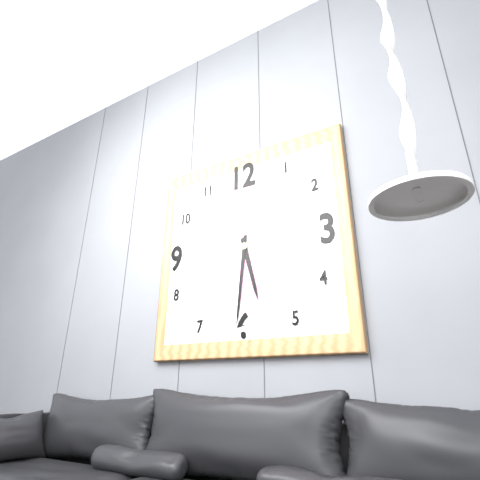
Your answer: 5,31
